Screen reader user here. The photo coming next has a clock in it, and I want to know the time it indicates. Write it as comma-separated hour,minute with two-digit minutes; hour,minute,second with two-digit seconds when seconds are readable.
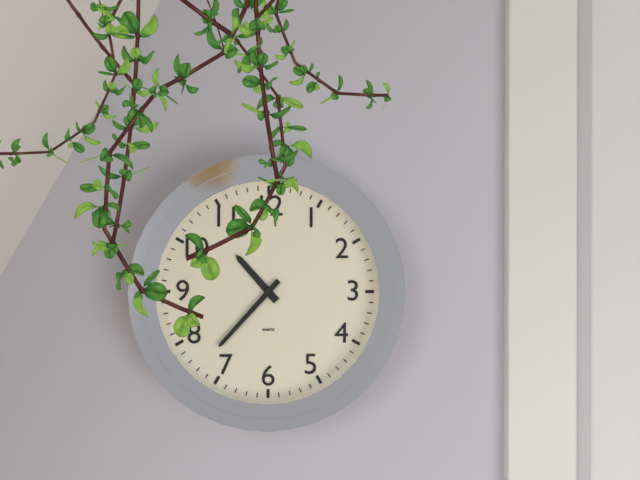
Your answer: 10,37
